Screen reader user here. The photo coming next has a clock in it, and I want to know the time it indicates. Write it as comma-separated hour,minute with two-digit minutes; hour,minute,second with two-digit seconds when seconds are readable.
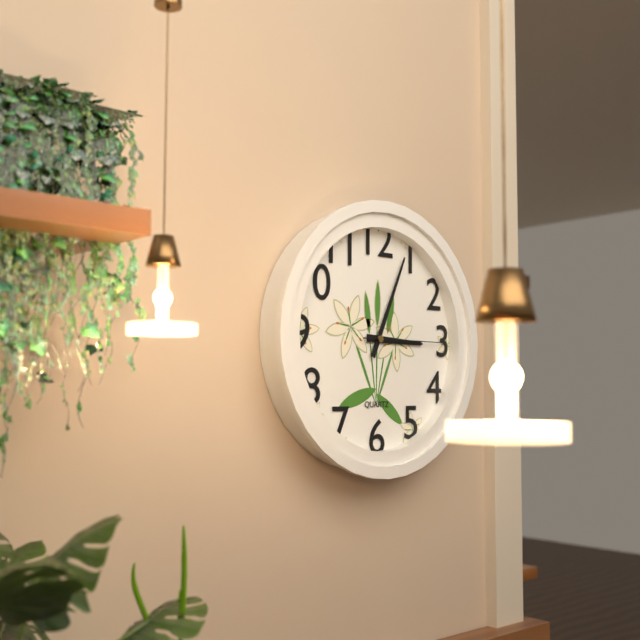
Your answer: 3,04,15
